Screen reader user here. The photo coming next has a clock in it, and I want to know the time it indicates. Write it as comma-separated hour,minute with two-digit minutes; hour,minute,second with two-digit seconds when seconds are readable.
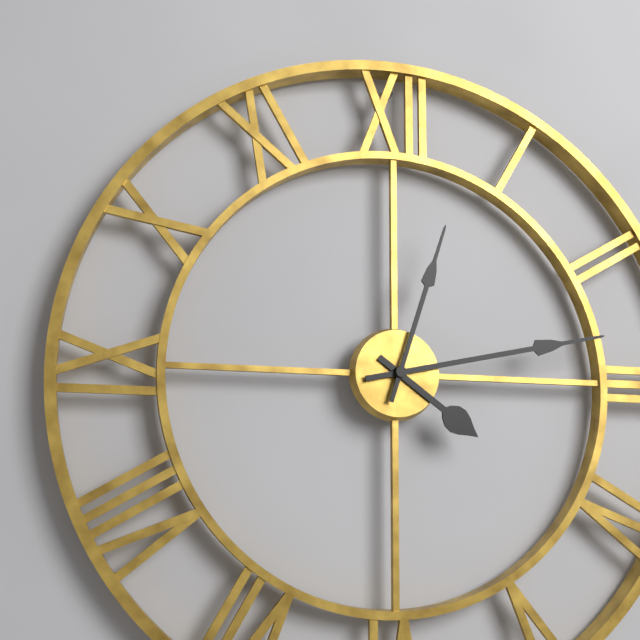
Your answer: 4,13,03
